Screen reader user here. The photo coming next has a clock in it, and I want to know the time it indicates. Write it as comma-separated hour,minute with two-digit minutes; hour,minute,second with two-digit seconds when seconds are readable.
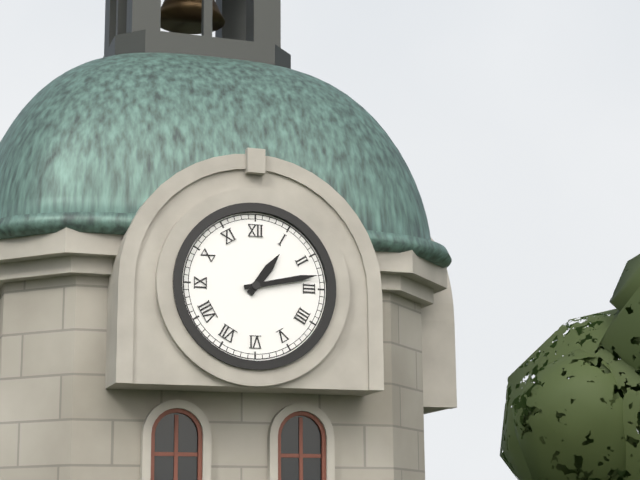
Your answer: 1,13
